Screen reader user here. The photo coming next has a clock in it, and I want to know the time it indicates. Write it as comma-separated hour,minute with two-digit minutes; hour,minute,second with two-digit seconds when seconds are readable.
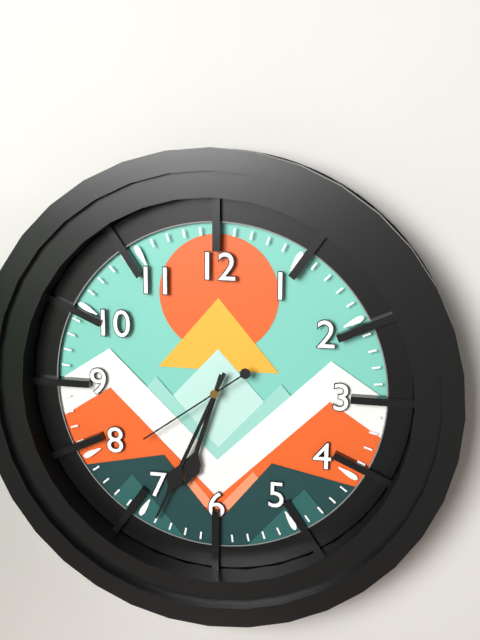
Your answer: 6,34,39
